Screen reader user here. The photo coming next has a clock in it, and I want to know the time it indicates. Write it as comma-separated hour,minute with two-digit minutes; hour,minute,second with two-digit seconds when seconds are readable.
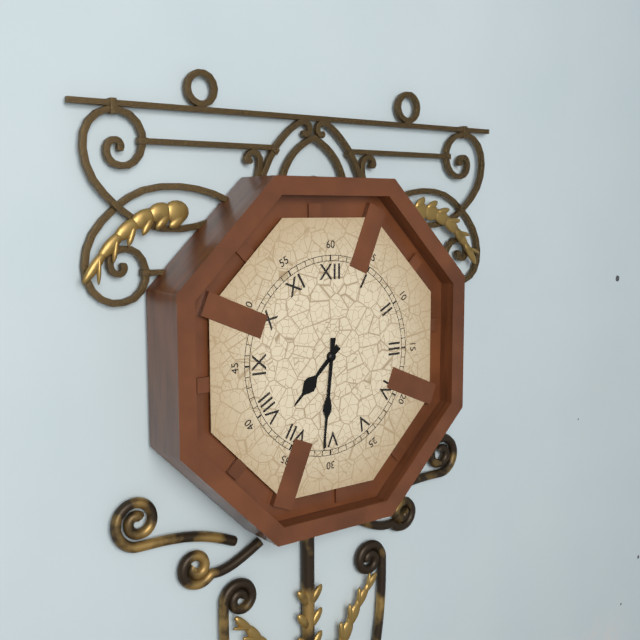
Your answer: 7,31
